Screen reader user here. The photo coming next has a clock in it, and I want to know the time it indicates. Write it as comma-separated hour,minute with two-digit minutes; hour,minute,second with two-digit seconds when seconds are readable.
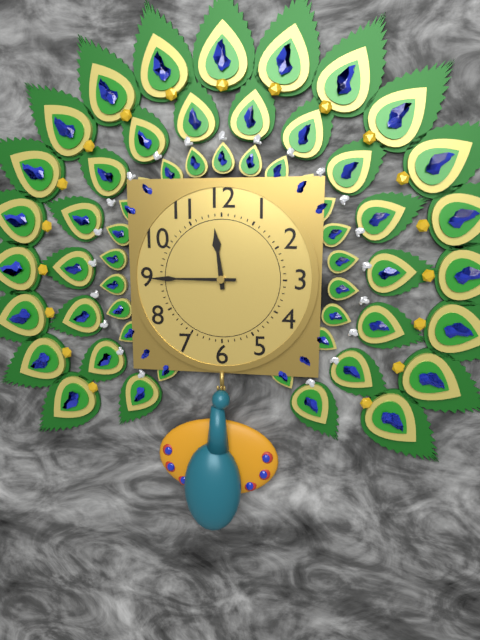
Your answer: 11,45
